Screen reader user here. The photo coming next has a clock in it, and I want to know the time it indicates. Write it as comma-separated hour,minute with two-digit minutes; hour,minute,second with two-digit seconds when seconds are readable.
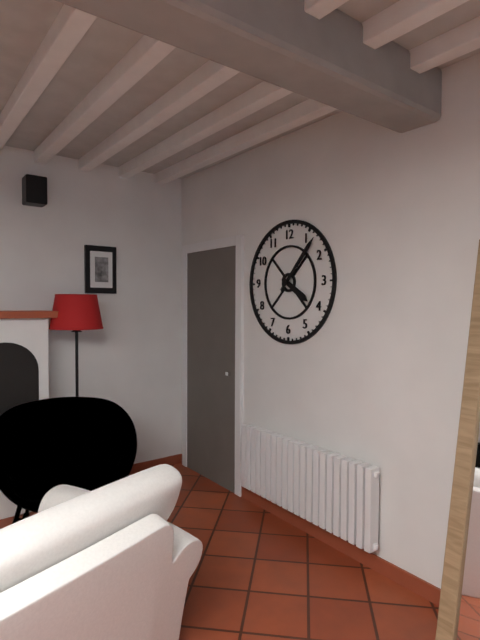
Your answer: 4,07
